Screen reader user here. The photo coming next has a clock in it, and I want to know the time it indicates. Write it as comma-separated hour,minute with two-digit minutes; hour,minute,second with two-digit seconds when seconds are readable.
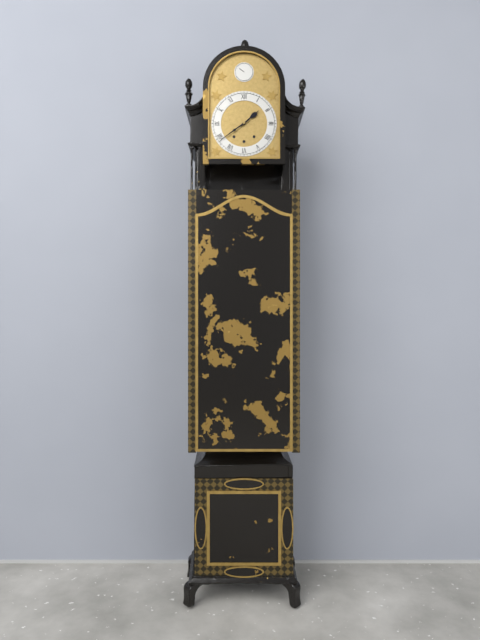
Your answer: 1,39
